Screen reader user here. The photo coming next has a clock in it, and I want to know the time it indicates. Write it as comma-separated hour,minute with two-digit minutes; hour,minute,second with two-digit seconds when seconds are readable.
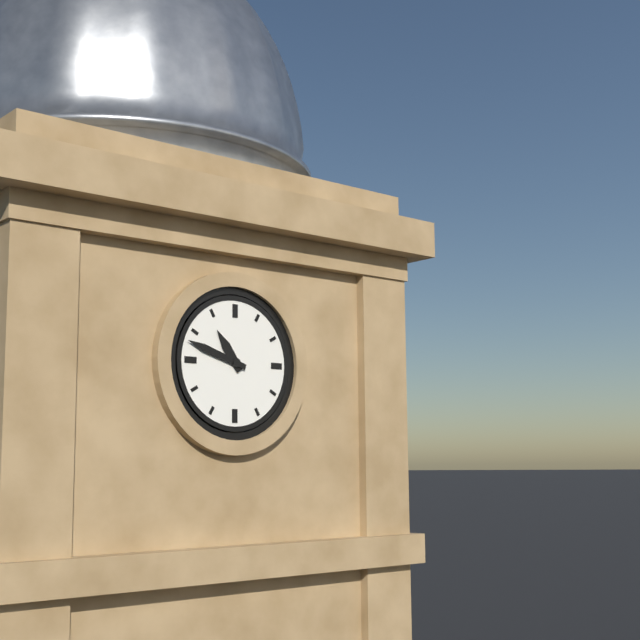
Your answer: 10,48
